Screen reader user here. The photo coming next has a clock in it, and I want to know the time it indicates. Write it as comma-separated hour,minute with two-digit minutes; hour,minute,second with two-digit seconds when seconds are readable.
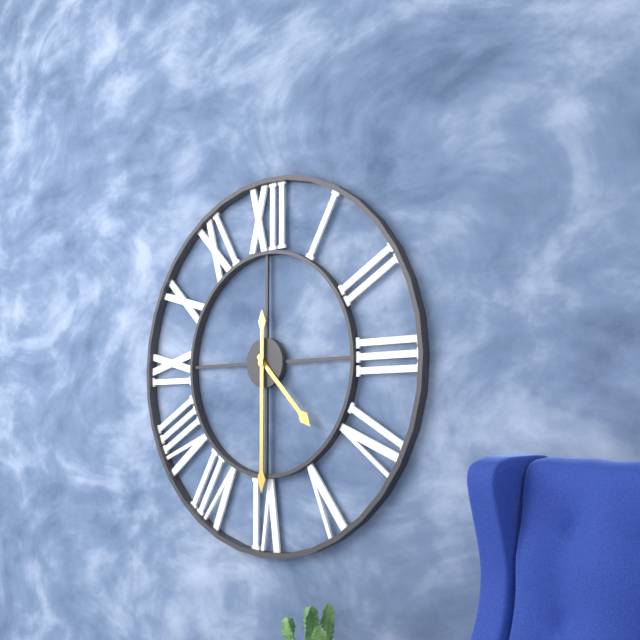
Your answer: 4,30
